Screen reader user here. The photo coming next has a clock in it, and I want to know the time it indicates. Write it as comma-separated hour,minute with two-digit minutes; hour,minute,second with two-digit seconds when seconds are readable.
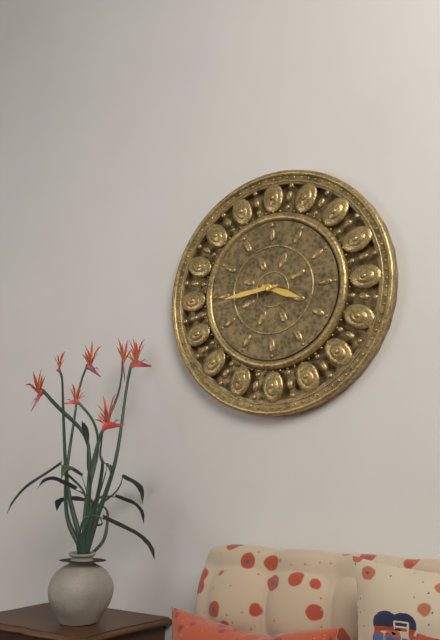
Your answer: 3,44
